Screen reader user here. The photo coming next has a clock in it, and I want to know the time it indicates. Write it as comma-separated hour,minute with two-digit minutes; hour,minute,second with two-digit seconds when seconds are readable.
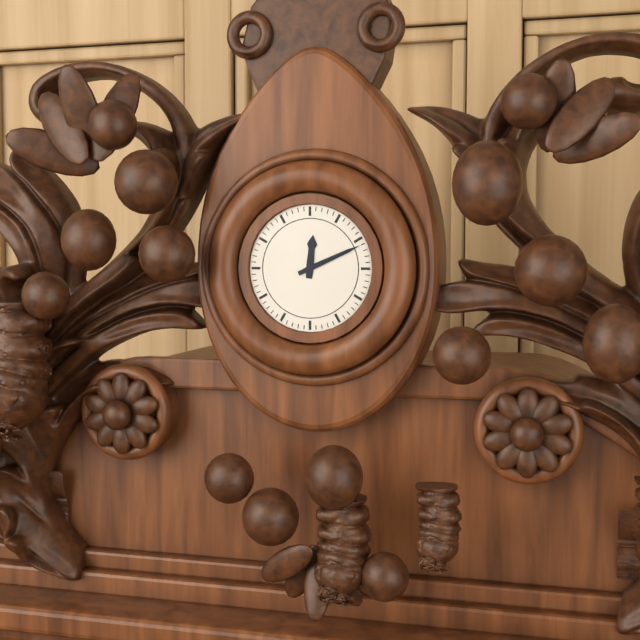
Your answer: 12,11
